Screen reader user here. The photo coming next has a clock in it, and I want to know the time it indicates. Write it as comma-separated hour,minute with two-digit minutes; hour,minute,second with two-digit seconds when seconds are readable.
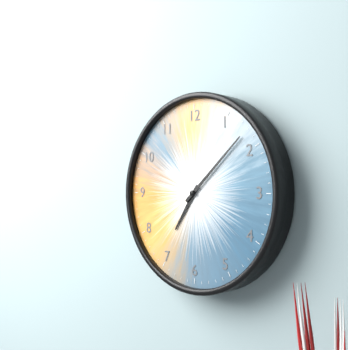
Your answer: 7,08
